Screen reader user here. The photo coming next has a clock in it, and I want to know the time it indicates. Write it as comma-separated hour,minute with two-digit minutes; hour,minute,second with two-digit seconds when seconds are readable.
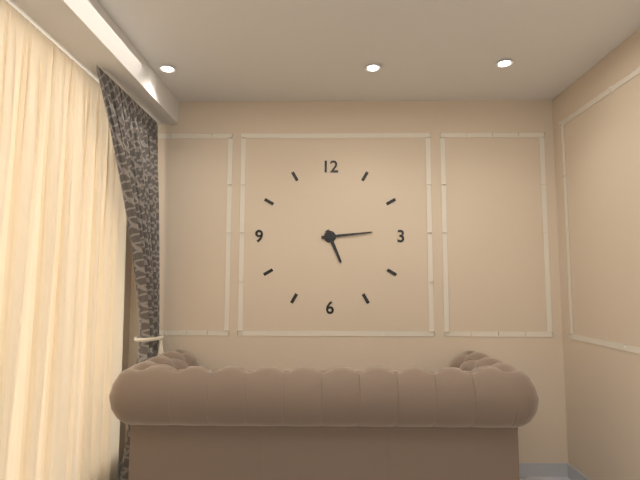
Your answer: 5,14
